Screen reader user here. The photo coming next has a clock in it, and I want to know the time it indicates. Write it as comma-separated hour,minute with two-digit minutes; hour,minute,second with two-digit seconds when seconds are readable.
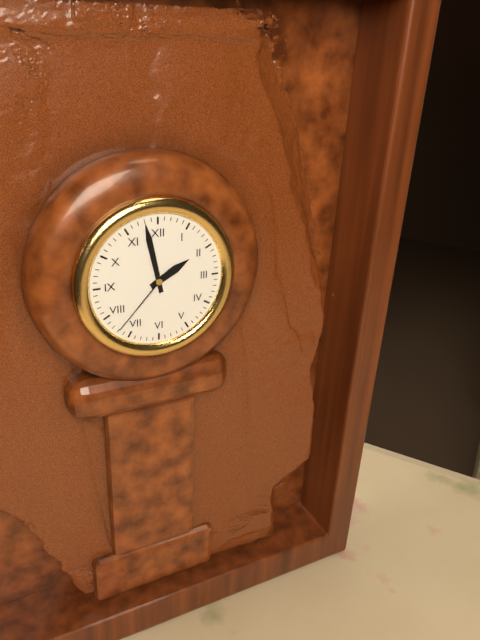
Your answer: 1,58,37
